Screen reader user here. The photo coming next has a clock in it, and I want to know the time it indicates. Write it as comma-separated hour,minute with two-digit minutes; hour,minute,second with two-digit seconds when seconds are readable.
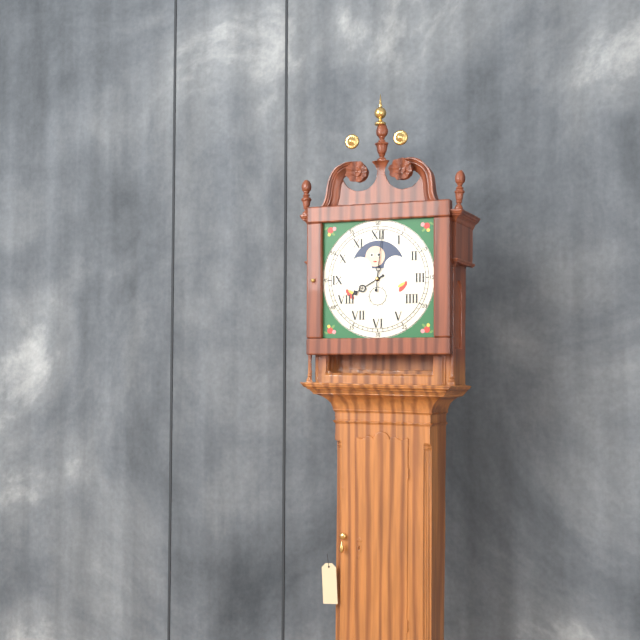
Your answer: 8,01
